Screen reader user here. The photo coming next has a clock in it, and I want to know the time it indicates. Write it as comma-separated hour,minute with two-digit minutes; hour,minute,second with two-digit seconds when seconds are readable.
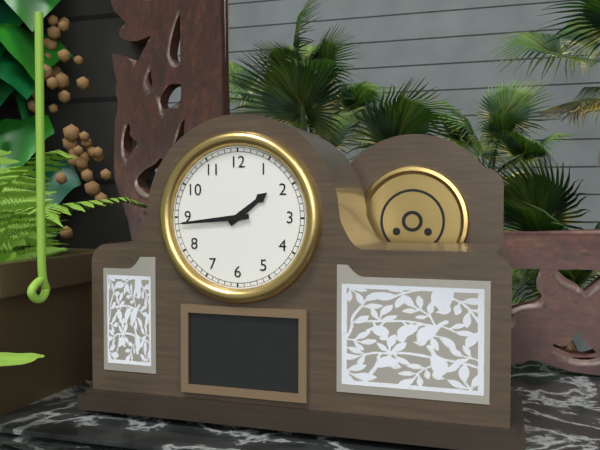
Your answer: 1,44
